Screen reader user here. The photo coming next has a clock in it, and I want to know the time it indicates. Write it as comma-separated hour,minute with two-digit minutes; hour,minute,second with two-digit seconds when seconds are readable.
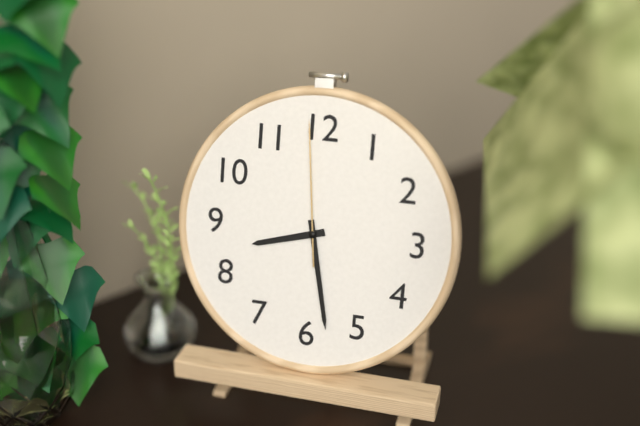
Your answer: 8,28,59
